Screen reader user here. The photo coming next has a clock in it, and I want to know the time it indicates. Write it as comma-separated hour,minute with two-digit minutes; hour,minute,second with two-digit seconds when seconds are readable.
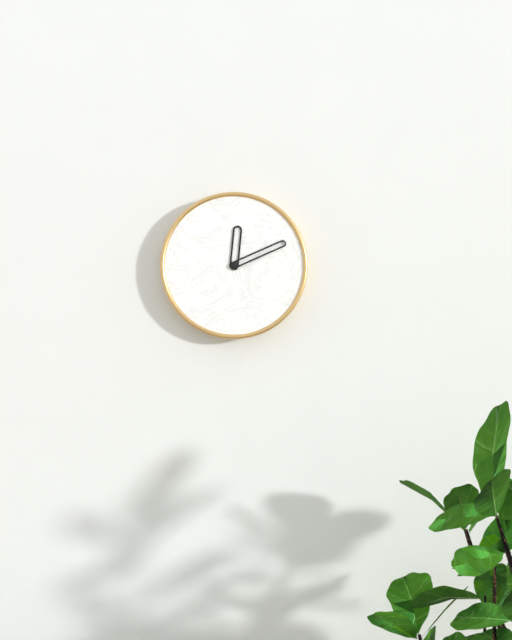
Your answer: 12,11
